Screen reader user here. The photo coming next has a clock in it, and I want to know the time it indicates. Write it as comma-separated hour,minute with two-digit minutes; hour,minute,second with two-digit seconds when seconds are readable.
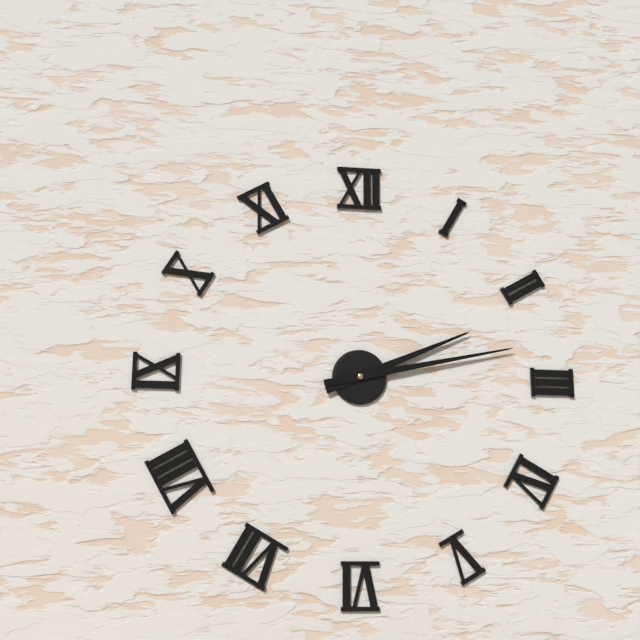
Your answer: 2,13
